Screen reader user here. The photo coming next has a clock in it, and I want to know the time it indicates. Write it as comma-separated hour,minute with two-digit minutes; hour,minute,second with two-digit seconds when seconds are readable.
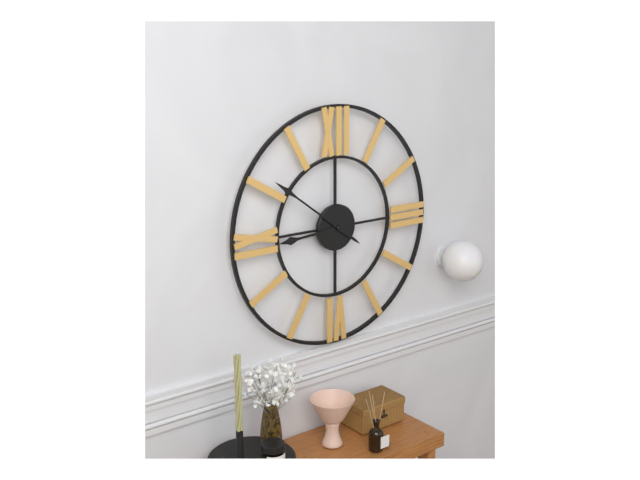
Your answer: 8,51
